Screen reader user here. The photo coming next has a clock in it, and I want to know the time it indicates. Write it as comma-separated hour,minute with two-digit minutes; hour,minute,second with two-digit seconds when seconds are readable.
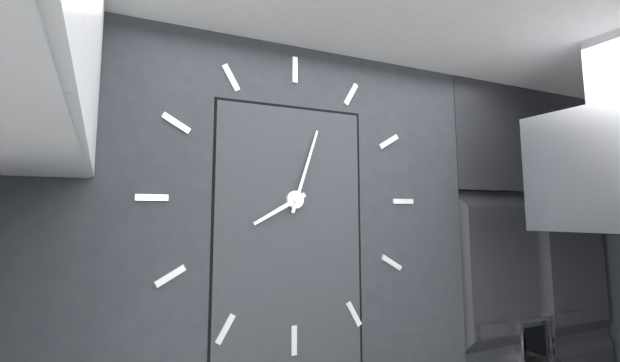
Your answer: 8,03
